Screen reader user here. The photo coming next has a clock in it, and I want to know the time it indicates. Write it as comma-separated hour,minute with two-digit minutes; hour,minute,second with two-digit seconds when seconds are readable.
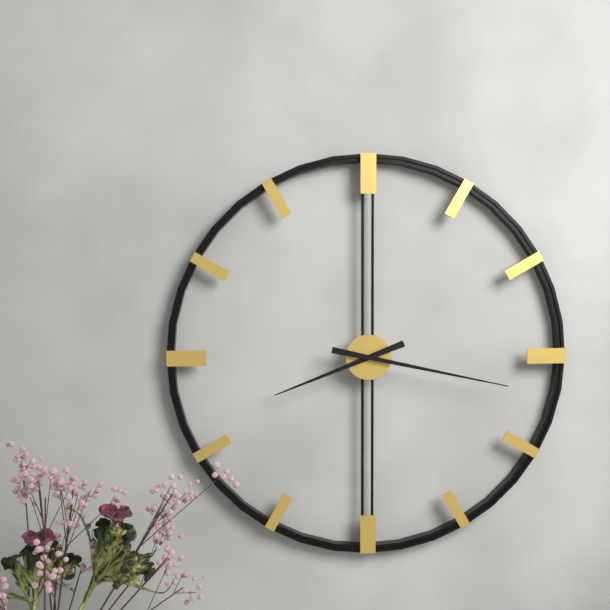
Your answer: 8,17
